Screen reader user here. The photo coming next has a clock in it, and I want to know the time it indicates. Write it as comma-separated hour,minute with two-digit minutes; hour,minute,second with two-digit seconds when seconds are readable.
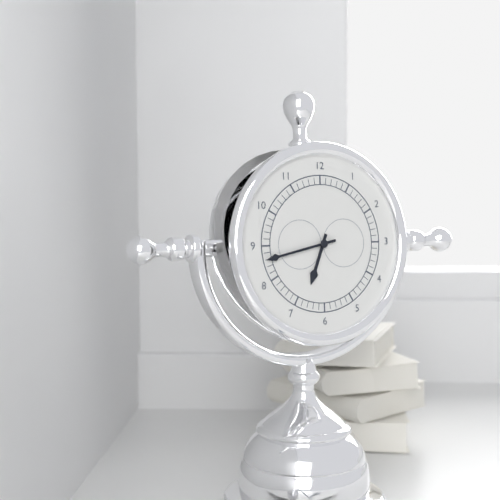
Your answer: 6,43
